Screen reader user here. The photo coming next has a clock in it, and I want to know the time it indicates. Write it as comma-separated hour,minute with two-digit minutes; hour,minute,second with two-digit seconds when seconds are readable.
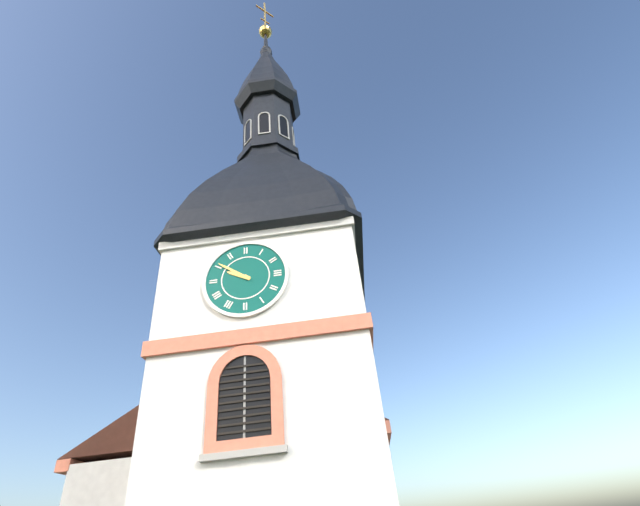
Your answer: 9,51
